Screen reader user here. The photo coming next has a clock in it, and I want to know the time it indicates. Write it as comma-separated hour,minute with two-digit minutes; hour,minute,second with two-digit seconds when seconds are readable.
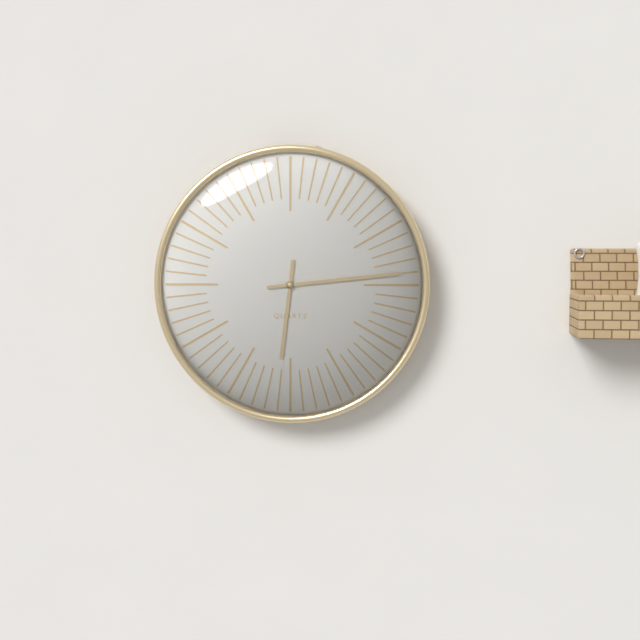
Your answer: 6,14
